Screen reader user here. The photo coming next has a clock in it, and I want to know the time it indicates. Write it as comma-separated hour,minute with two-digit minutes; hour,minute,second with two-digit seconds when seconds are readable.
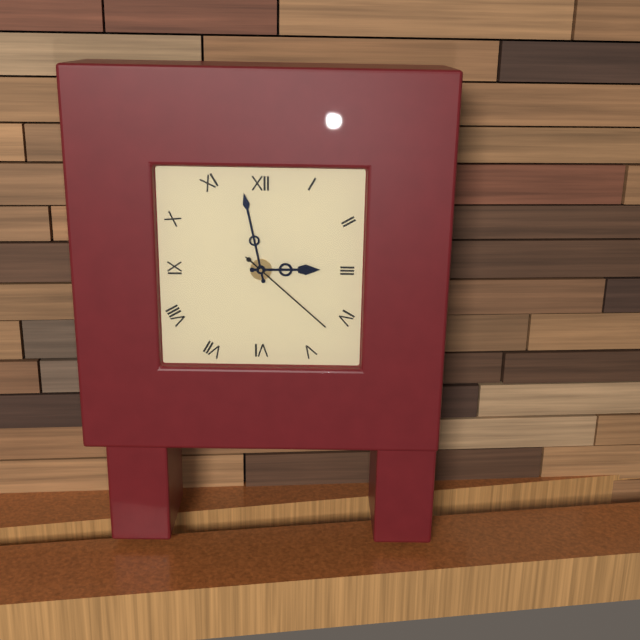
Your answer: 2,58,22
